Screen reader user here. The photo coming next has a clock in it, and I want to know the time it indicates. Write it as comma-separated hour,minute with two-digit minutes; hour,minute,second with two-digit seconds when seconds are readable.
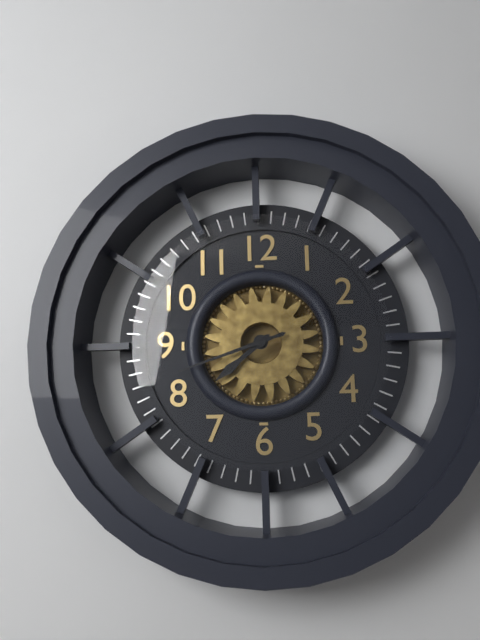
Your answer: 7,42
